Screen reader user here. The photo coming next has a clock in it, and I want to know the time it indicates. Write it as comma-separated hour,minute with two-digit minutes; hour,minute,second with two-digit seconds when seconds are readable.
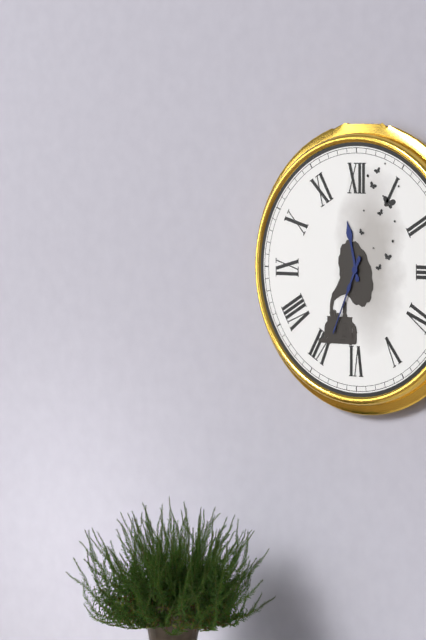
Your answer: 11,34
